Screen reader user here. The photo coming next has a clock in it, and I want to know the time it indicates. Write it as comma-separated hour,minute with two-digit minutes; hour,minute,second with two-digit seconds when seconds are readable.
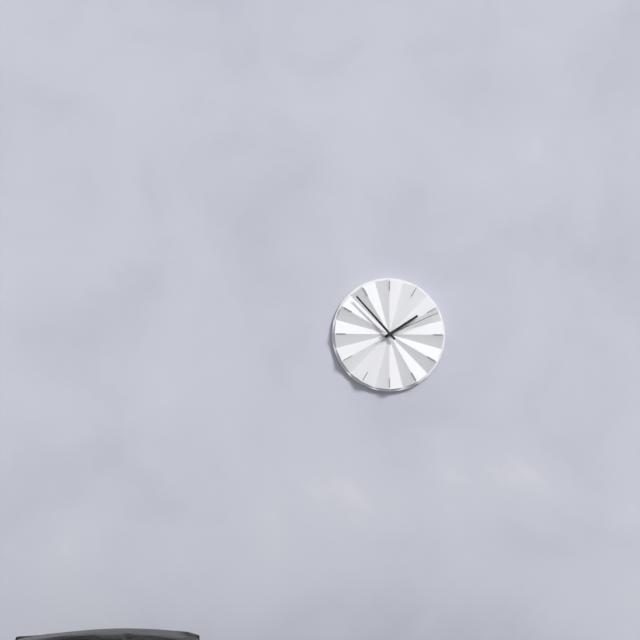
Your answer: 1,53,11
